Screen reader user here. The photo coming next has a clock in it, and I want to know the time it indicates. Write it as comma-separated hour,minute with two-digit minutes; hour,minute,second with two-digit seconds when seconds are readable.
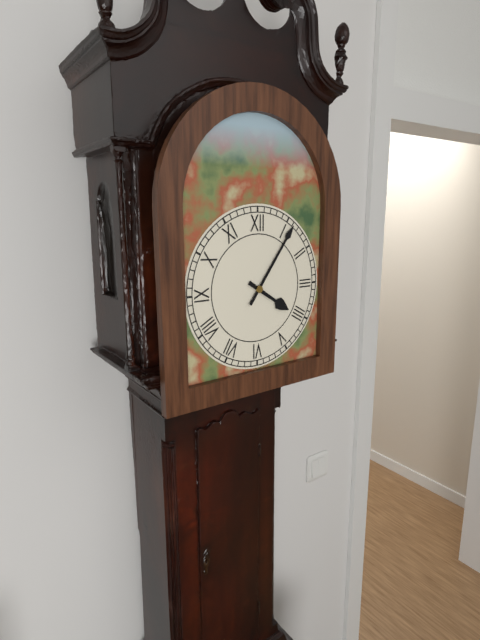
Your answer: 4,06
